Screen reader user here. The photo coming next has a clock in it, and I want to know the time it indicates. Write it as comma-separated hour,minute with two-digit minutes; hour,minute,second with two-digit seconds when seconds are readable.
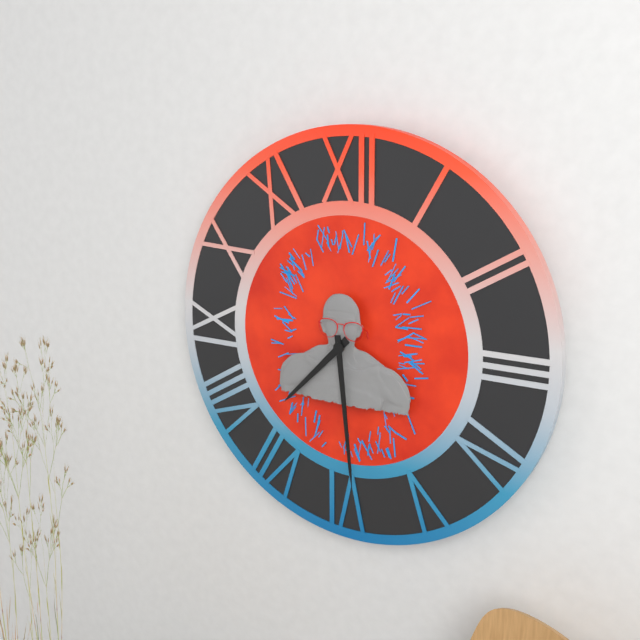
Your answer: 7,29
